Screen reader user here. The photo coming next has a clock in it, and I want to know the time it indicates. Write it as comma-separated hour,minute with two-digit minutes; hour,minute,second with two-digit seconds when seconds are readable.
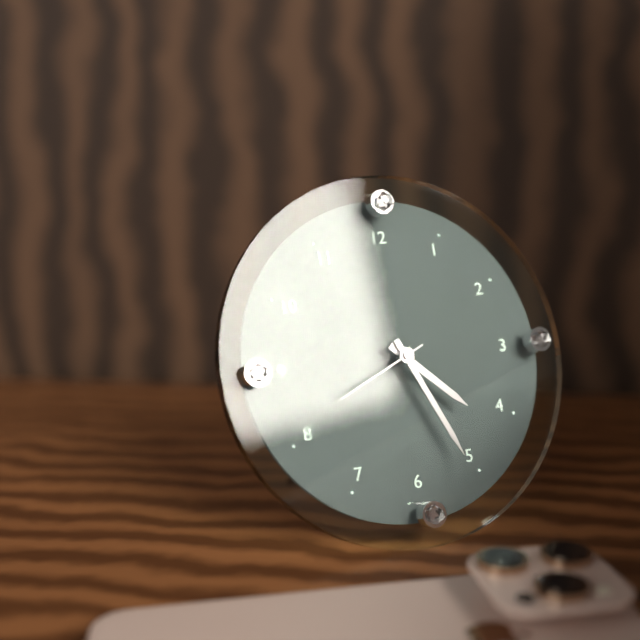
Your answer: 4,26,41
